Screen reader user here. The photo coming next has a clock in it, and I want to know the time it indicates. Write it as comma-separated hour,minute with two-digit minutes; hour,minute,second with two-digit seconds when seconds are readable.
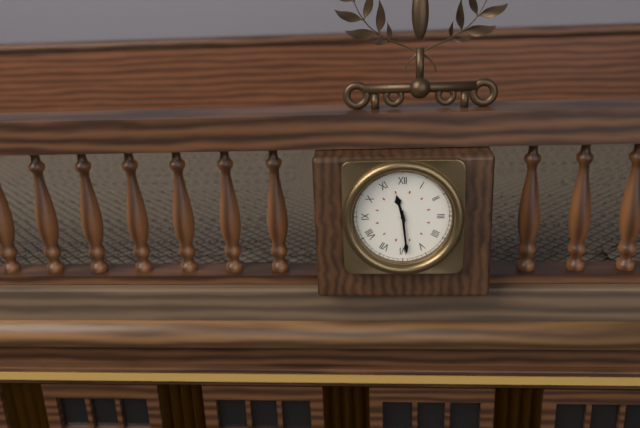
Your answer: 11,29
